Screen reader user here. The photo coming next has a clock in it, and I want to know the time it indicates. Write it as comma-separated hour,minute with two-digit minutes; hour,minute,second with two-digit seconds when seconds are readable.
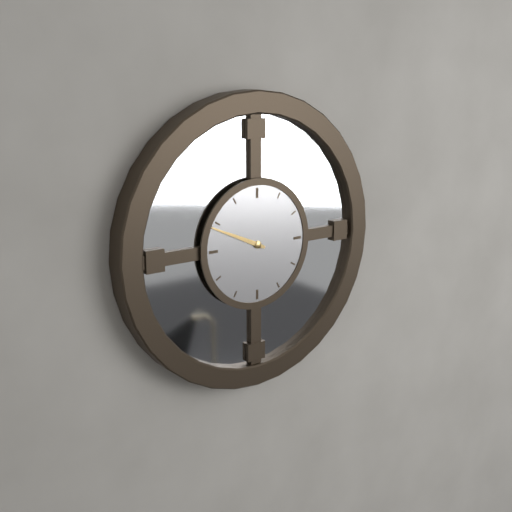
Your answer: 9,49
